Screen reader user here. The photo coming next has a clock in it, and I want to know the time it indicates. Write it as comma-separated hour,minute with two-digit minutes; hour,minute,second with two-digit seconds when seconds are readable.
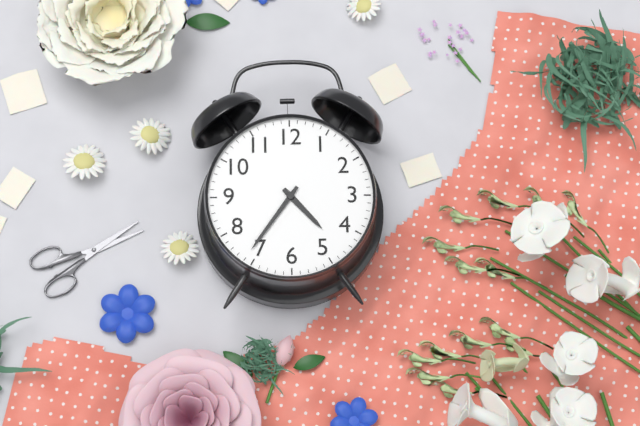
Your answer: 4,36
